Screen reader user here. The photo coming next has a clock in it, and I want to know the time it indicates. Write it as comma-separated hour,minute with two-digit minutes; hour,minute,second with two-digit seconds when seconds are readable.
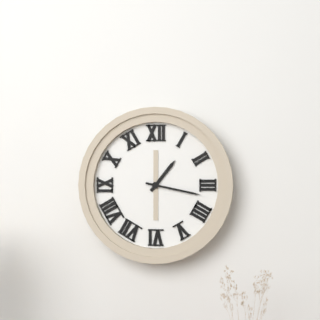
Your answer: 1,17
